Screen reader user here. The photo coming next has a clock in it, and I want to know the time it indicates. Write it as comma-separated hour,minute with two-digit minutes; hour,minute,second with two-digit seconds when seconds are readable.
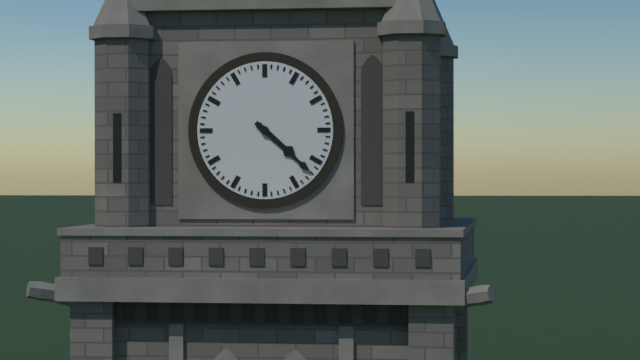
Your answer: 4,22
